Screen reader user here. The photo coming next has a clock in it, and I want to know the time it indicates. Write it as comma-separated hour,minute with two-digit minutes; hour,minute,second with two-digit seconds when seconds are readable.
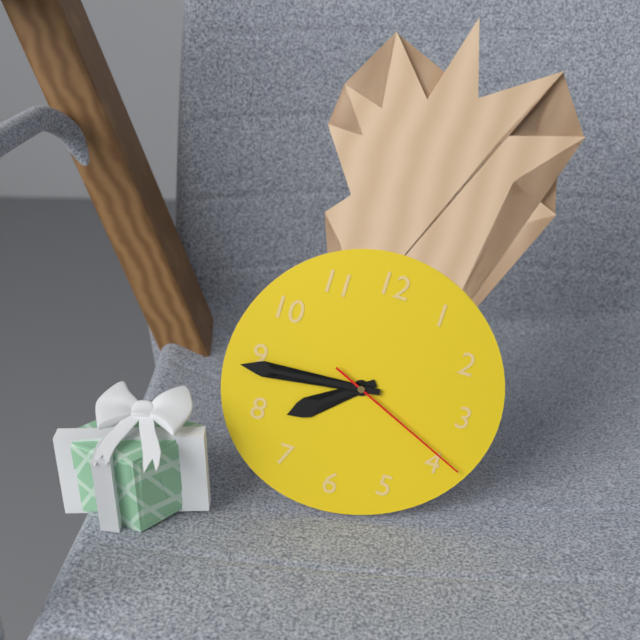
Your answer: 7,44,19
